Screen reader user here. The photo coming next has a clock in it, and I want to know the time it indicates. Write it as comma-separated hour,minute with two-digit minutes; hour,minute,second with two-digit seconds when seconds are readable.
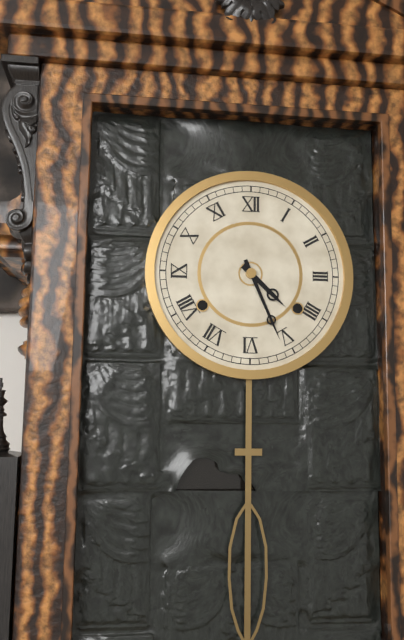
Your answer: 4,26
